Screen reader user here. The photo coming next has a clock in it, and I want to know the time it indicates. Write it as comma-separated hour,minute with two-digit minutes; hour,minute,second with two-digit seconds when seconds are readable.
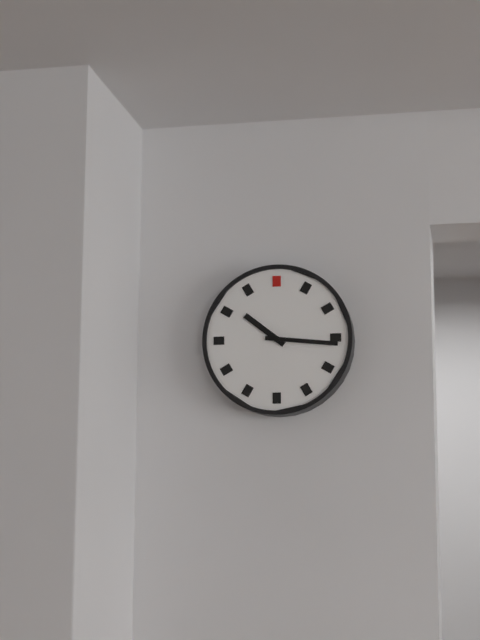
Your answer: 10,16
